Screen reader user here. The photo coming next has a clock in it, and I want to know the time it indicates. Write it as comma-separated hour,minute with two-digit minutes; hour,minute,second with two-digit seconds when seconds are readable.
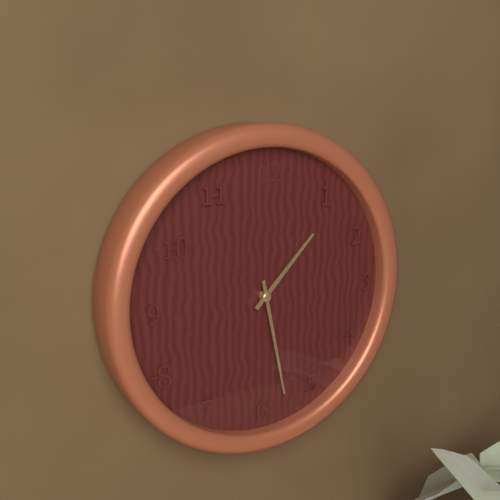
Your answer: 1,28
